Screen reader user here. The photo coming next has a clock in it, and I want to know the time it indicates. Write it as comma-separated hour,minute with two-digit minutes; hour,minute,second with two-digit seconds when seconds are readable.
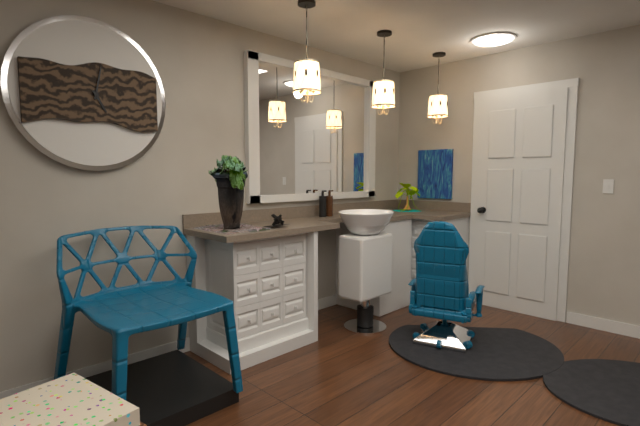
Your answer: 5,02
